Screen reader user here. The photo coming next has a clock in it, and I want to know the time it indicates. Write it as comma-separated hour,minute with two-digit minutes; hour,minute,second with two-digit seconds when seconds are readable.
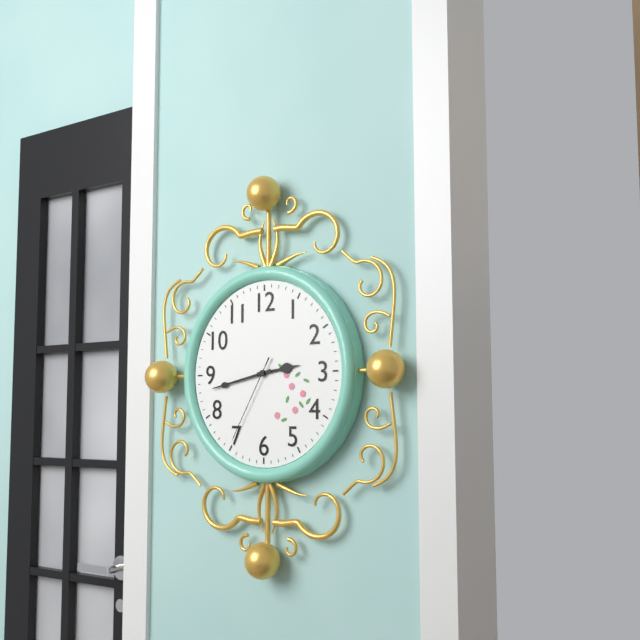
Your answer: 2,43,35
